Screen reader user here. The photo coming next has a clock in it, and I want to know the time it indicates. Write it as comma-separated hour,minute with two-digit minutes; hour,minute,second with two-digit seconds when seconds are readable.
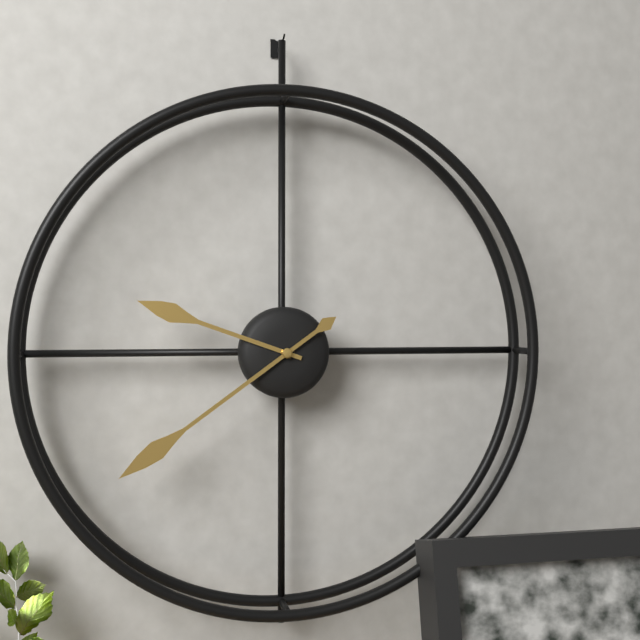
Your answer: 9,39
